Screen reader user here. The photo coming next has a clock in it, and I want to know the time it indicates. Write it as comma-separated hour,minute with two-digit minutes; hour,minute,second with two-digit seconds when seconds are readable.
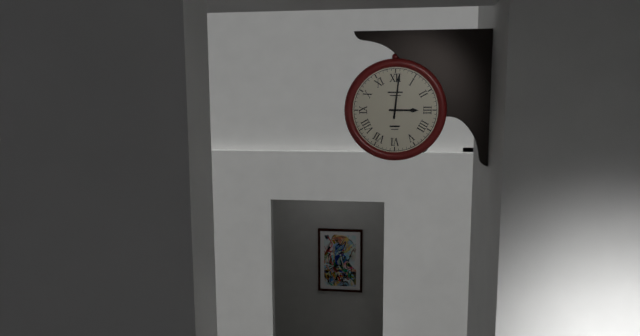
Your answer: 3,01
